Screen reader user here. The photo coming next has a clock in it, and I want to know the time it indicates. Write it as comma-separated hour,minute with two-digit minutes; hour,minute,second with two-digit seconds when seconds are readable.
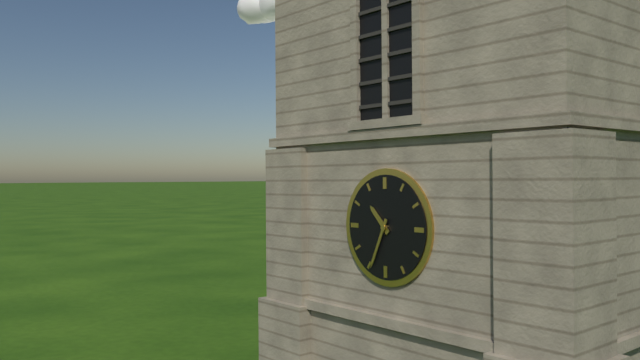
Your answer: 10,34
